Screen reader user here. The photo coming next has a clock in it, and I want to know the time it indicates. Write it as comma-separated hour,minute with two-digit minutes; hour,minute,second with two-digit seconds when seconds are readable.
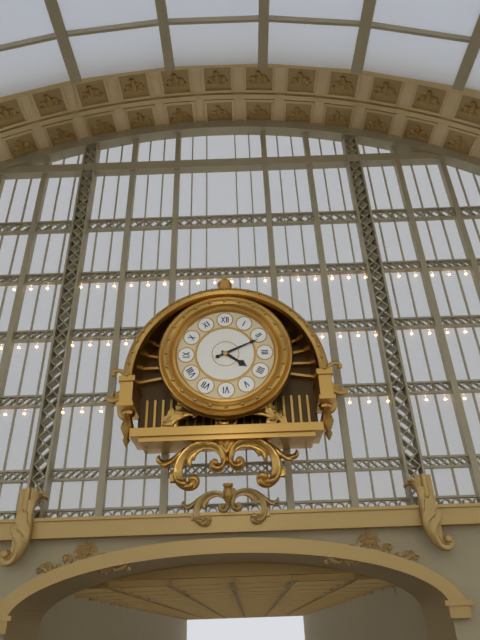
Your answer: 4,11
